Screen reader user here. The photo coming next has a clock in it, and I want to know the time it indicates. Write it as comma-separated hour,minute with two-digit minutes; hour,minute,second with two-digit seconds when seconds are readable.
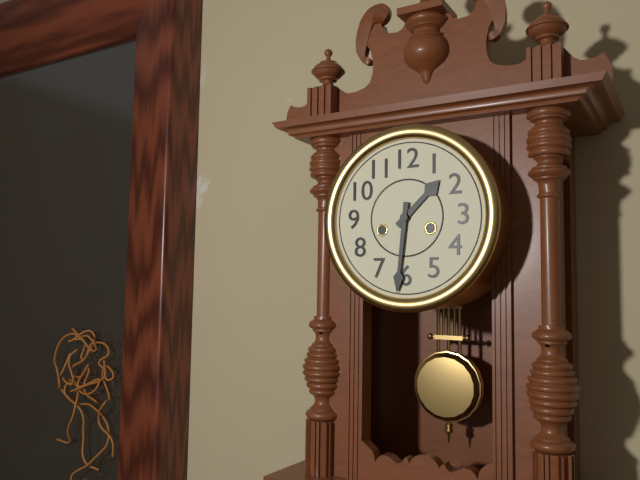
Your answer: 1,31
